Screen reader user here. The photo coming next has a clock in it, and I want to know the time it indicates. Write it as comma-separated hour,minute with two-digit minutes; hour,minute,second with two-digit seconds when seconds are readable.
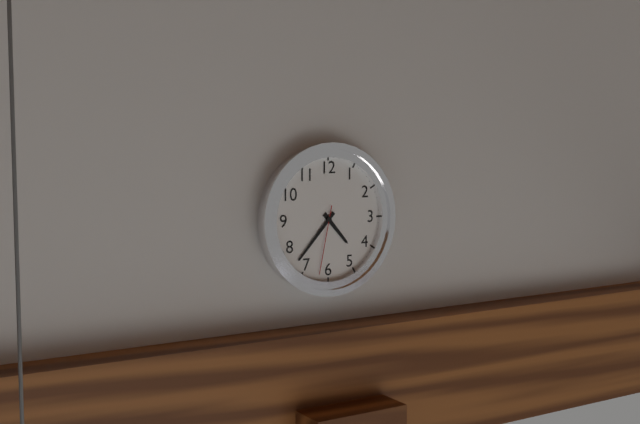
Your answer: 4,37,32
